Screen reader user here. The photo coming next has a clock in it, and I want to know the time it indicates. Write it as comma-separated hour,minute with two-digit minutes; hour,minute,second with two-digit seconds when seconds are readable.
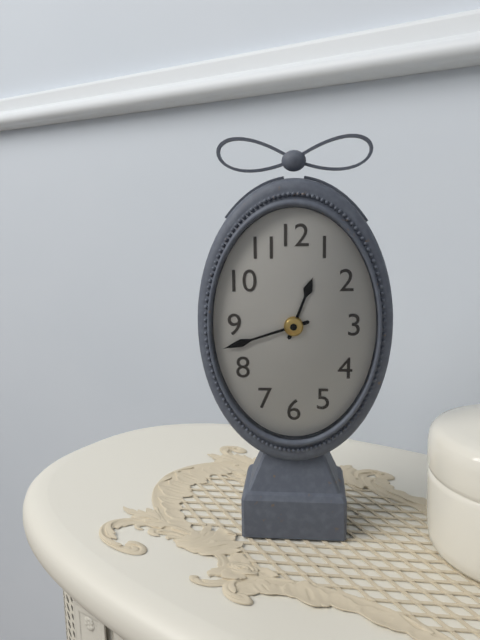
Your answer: 12,42
